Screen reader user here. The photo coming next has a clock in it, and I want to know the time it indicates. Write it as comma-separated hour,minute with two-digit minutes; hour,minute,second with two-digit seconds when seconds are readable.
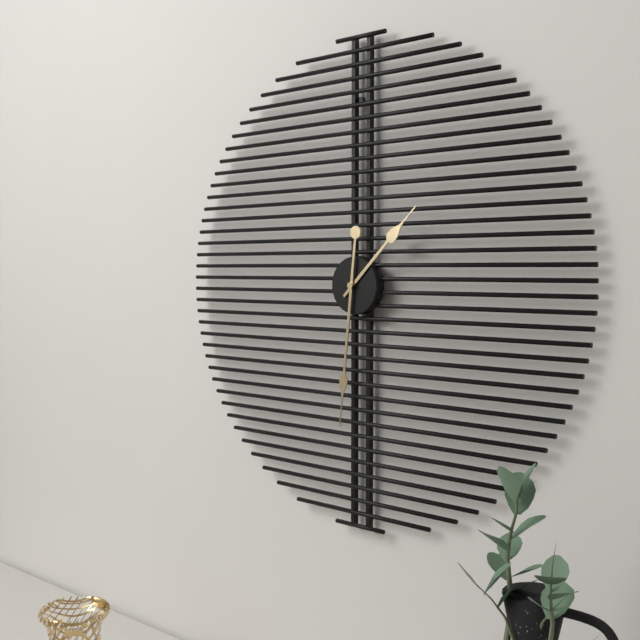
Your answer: 1,31
